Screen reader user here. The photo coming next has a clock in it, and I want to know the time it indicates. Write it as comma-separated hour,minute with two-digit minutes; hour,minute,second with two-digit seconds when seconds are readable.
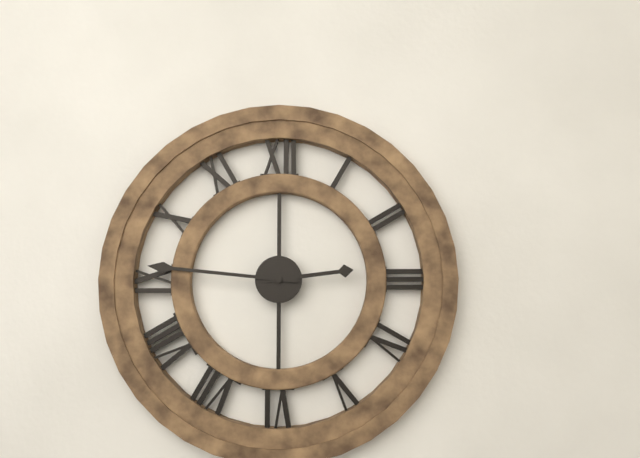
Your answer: 2,46
